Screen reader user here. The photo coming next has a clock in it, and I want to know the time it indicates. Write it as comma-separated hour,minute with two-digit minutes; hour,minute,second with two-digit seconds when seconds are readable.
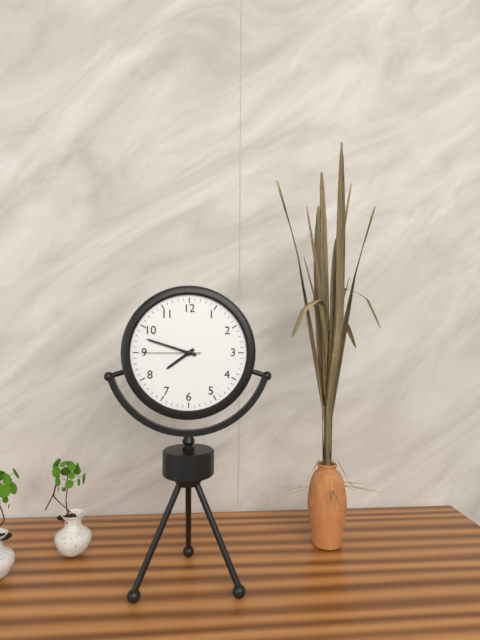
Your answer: 7,48,45
